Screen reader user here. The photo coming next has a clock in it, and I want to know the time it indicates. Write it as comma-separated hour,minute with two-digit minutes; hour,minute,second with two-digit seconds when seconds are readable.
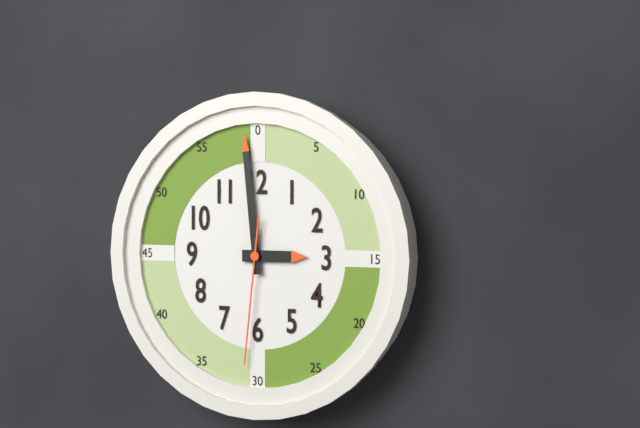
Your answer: 2,59,31
